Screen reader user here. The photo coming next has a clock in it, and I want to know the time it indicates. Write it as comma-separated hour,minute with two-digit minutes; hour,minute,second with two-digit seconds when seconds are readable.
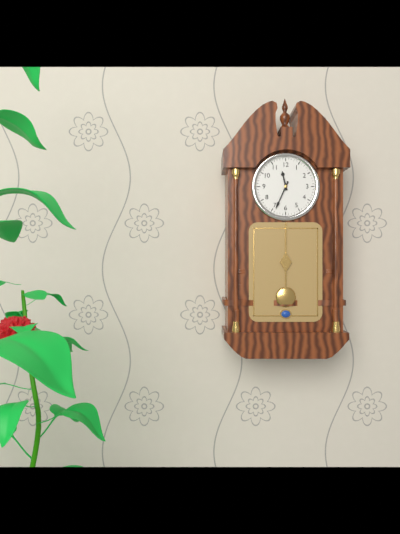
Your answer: 11,34
